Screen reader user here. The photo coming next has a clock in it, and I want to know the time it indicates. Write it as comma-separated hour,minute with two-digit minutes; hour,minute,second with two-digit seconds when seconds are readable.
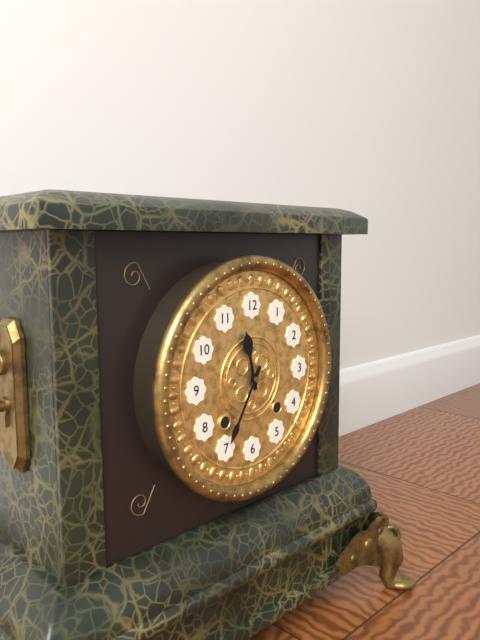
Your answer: 11,35
